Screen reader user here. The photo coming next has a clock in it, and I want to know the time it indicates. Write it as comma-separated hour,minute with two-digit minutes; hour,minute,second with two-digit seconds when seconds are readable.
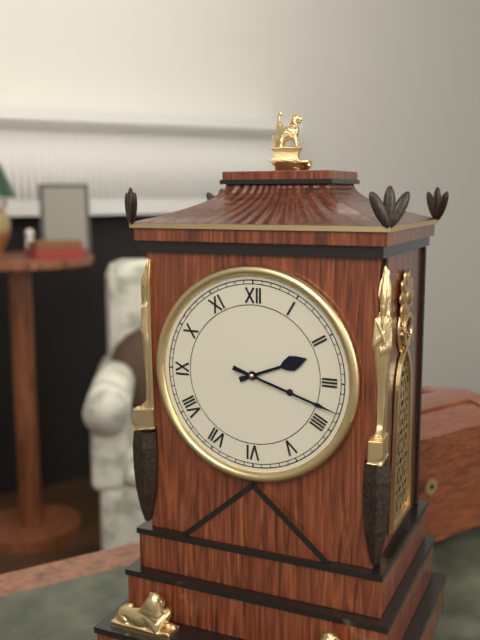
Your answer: 2,18
